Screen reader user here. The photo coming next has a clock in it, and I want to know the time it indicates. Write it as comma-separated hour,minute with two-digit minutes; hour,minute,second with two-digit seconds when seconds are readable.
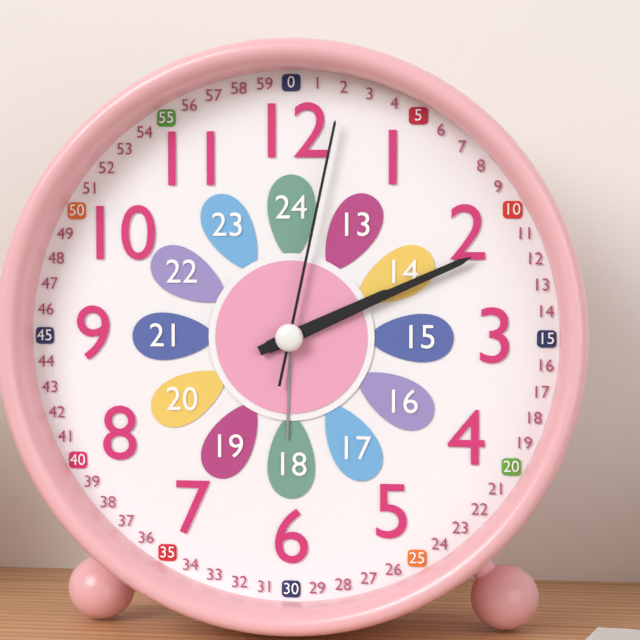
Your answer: 2,11,02
